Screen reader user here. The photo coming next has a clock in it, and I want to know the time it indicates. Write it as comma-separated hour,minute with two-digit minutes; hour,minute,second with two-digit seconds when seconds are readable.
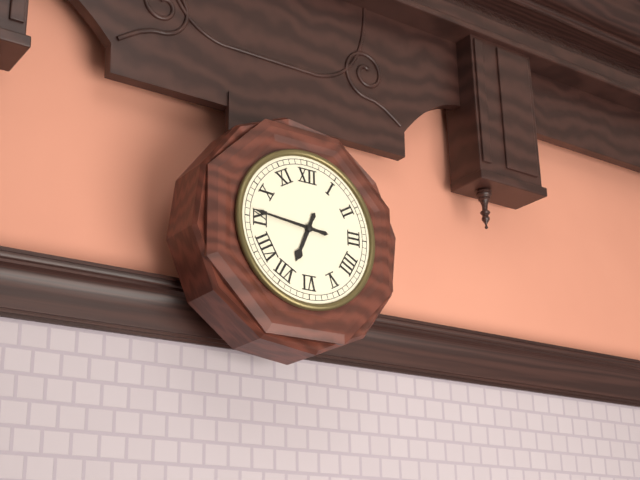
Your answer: 6,46
